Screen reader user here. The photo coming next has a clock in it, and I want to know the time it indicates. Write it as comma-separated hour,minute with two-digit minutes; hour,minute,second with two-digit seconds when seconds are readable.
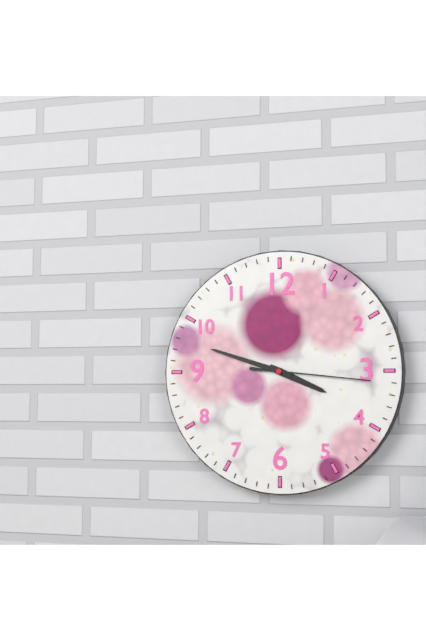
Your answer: 3,48,16
